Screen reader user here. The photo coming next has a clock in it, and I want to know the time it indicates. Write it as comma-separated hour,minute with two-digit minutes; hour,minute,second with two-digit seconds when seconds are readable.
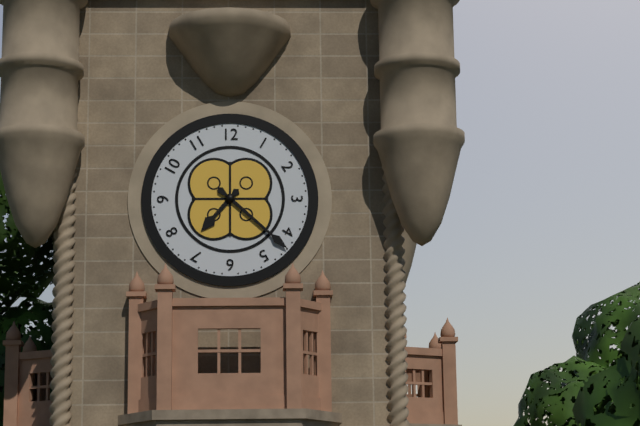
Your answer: 7,22
